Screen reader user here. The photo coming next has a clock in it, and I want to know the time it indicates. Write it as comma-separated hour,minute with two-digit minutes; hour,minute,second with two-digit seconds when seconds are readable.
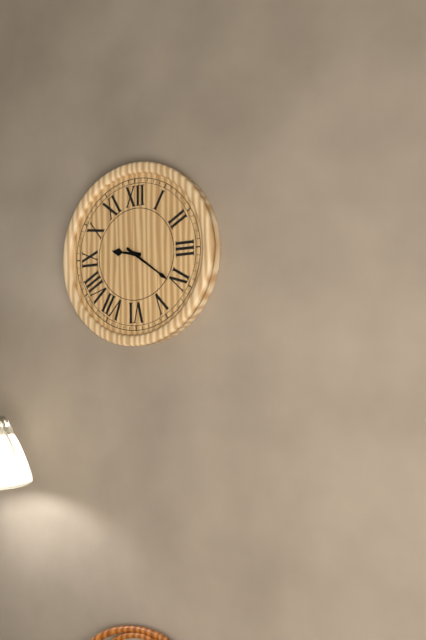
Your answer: 9,21
